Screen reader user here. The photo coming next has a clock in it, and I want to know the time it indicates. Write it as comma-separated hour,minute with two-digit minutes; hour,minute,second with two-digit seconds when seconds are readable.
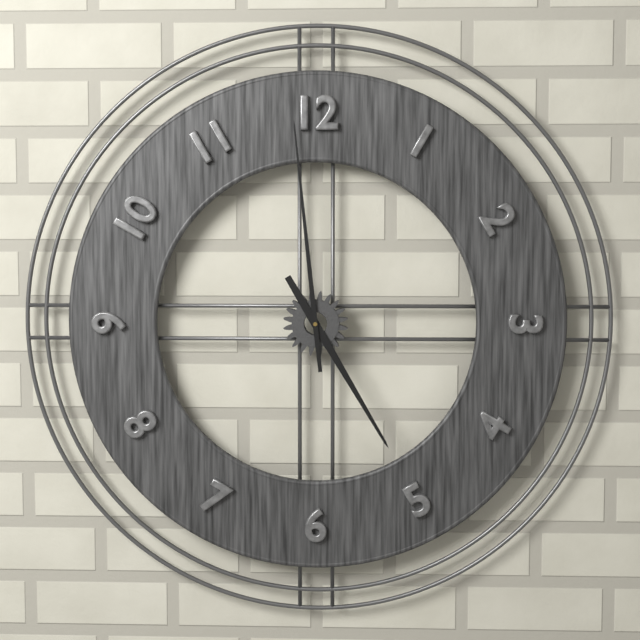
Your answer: 4,59
